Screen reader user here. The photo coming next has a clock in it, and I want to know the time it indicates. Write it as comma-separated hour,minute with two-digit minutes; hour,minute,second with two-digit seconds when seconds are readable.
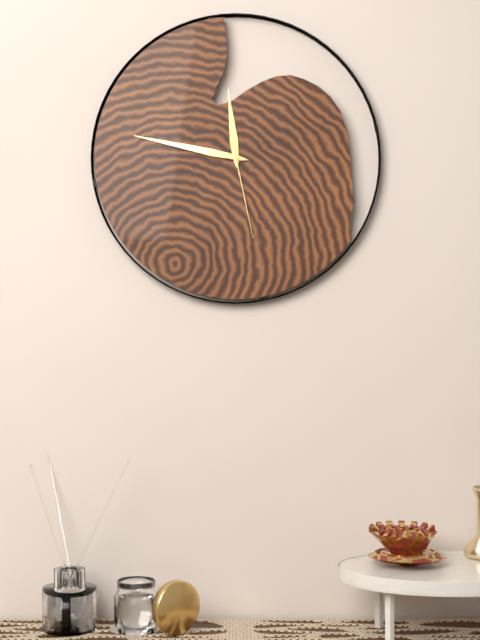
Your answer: 11,47,28
